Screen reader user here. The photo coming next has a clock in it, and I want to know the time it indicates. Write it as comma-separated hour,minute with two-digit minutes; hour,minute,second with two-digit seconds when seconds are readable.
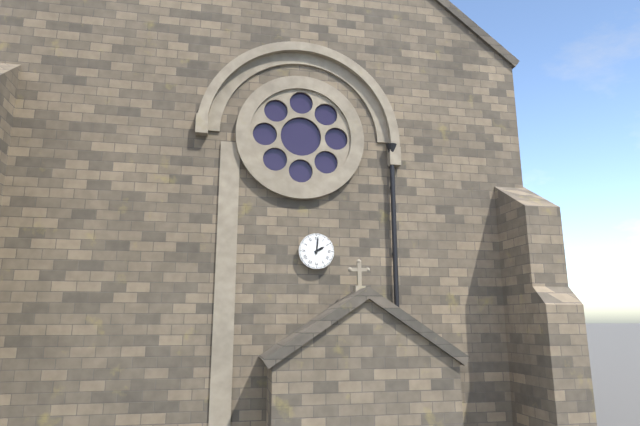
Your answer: 2,01
